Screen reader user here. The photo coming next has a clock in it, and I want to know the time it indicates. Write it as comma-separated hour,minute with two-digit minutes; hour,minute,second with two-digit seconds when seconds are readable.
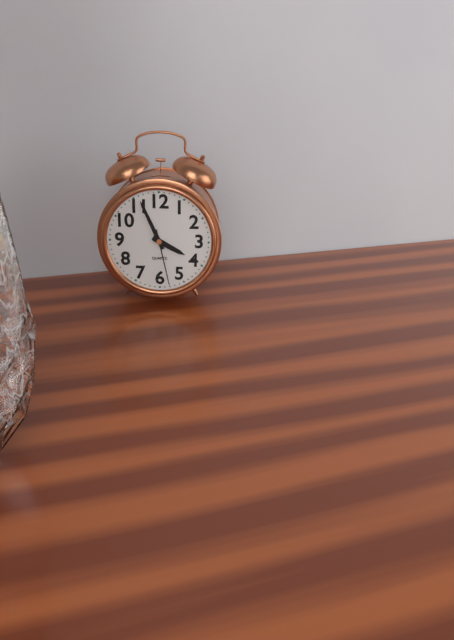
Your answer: 3,56,28
